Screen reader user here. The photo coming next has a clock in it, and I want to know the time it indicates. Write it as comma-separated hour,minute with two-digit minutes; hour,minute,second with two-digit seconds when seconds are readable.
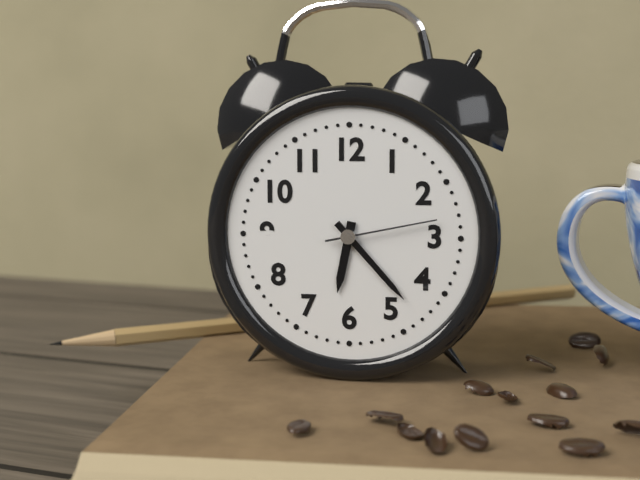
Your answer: 6,23,13
